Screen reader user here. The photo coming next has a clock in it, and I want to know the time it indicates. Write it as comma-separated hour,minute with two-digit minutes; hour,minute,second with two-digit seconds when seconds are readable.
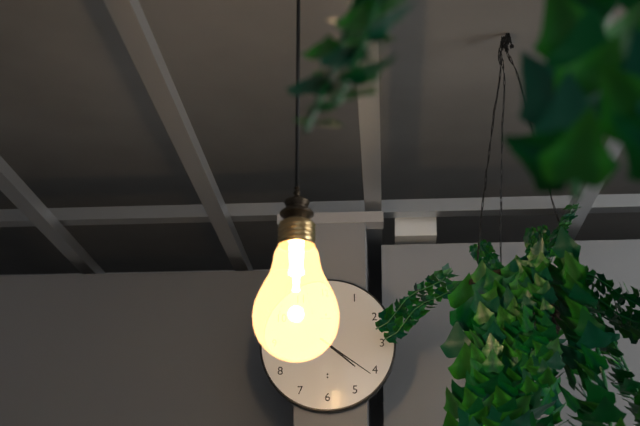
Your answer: 4,21
